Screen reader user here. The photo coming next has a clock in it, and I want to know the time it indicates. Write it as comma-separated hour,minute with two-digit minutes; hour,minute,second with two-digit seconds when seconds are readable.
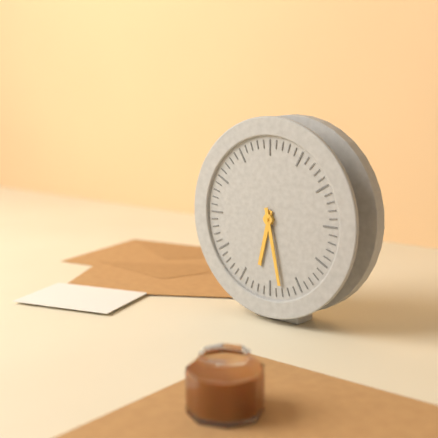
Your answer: 6,28
